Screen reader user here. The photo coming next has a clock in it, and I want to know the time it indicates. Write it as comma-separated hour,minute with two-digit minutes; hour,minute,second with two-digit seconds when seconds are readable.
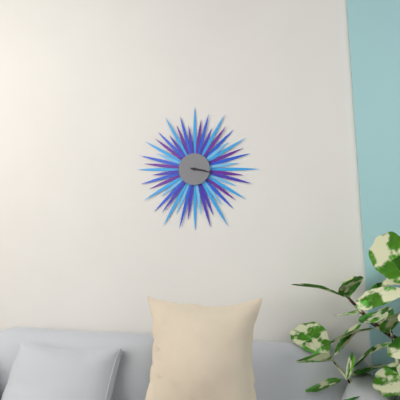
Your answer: 3,17
